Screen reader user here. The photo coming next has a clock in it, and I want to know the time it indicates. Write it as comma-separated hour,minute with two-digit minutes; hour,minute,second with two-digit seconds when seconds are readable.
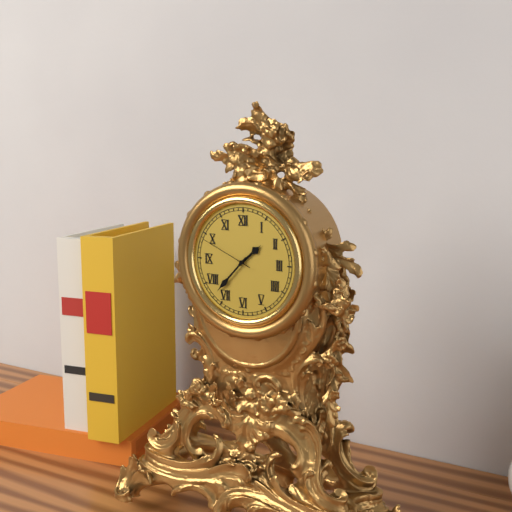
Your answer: 1,37,49
